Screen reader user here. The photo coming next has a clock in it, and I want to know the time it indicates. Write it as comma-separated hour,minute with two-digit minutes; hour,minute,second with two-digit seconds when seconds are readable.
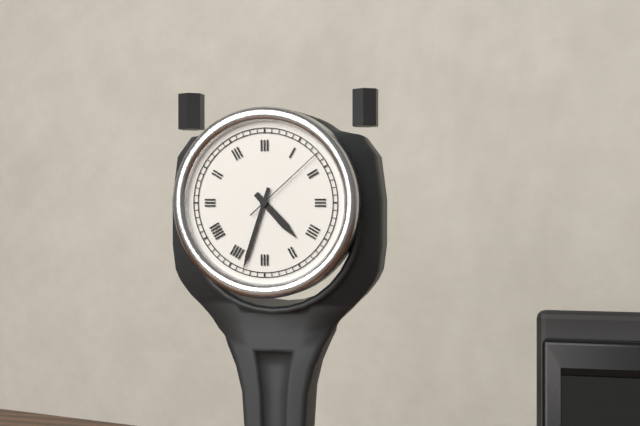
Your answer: 4,33,08
